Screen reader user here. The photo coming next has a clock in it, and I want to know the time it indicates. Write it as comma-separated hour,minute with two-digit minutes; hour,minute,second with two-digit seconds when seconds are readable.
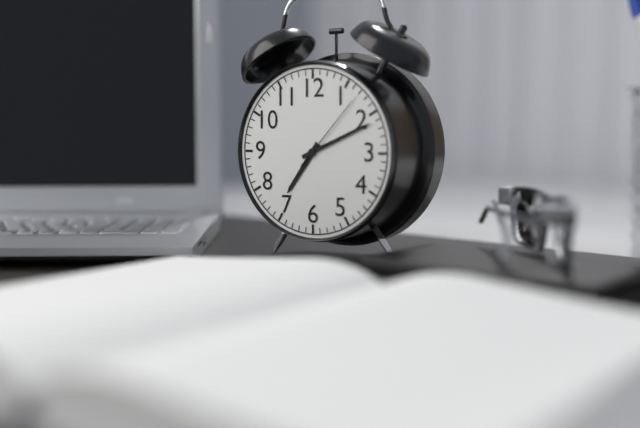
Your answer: 7,11,07
